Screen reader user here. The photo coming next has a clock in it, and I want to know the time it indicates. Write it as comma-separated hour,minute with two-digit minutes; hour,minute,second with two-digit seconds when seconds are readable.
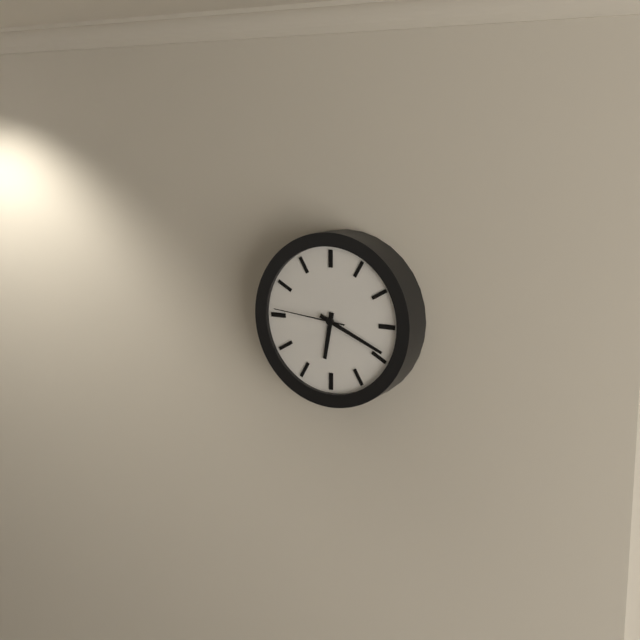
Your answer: 6,19,46
